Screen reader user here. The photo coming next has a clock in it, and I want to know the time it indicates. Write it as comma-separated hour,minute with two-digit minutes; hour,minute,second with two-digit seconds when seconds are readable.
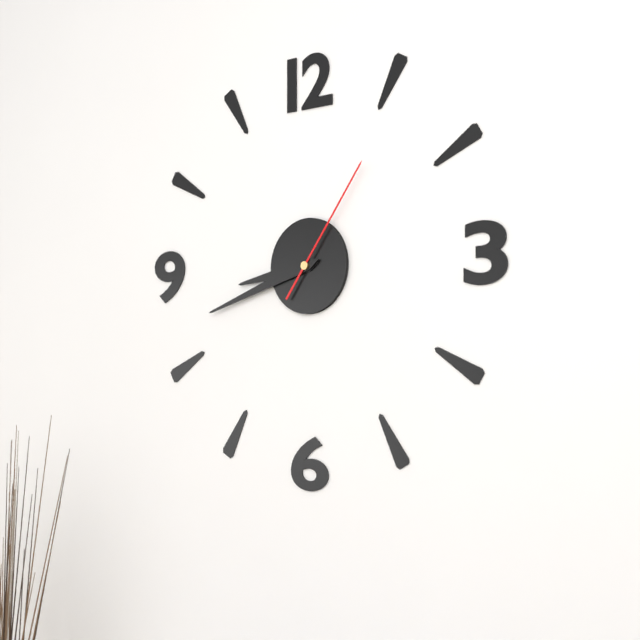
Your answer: 8,42,06
